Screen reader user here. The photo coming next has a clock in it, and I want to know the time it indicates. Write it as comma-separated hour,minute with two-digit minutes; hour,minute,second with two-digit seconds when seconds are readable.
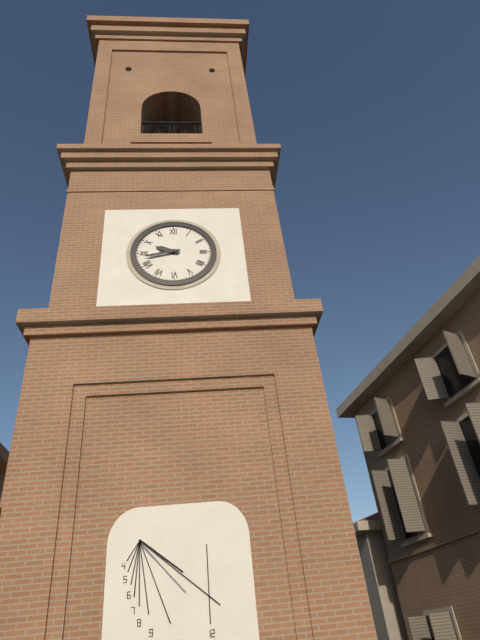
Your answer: 9,43
